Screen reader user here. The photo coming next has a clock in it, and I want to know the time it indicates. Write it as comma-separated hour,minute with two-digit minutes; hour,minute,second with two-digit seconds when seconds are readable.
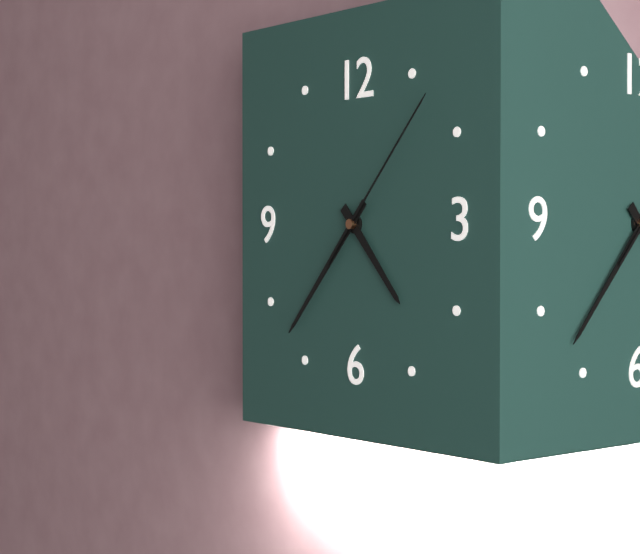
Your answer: 4,37,07
